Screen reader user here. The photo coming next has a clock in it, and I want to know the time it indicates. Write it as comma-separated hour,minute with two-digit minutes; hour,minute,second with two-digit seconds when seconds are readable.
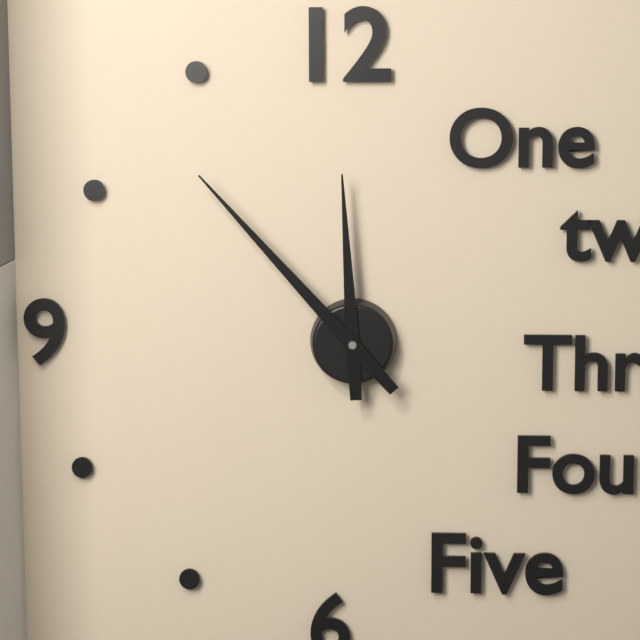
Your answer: 11,53
